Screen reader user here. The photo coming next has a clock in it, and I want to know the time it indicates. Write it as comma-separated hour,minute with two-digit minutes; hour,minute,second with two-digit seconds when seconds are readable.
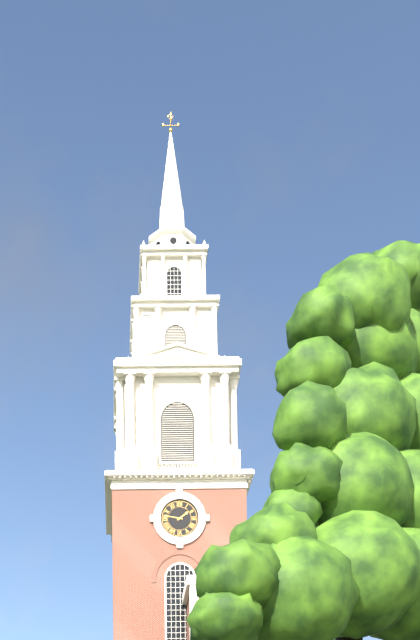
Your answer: 1,47
